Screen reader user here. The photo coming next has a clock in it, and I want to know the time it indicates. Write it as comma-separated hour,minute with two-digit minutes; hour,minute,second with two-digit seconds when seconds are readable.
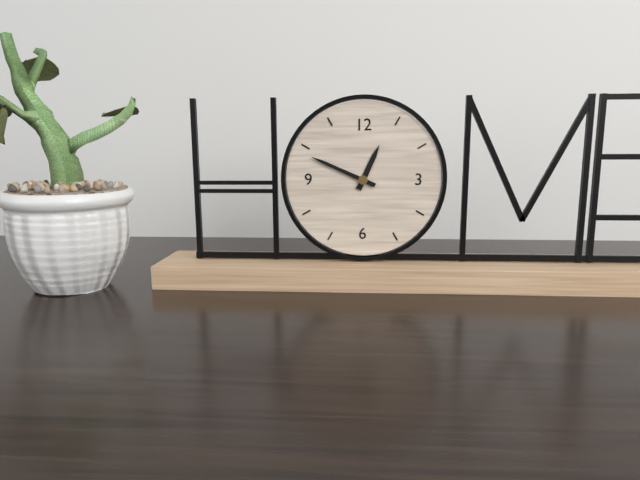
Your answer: 12,49
